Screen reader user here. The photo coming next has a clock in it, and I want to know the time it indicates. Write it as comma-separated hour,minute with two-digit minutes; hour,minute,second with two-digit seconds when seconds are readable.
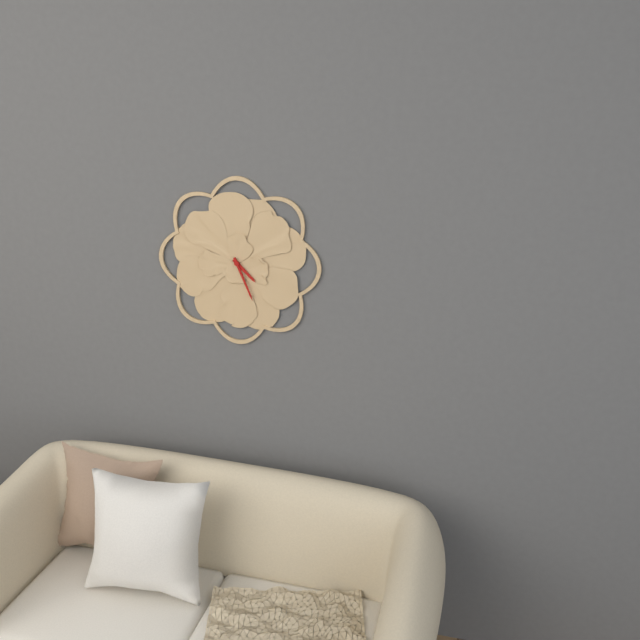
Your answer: 4,26
